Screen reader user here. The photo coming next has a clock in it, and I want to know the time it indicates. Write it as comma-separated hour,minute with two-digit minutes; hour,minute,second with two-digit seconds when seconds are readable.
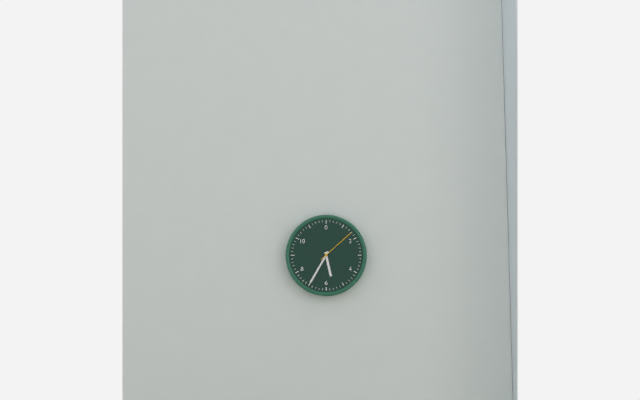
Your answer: 5,35
